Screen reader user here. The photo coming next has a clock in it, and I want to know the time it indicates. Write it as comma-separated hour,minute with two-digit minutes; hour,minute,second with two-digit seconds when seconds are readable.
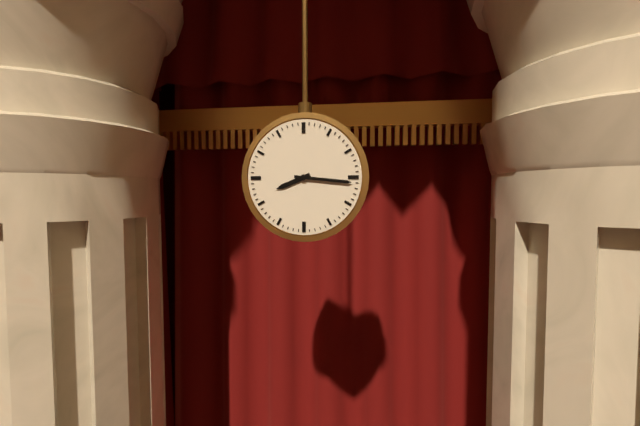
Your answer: 8,16
